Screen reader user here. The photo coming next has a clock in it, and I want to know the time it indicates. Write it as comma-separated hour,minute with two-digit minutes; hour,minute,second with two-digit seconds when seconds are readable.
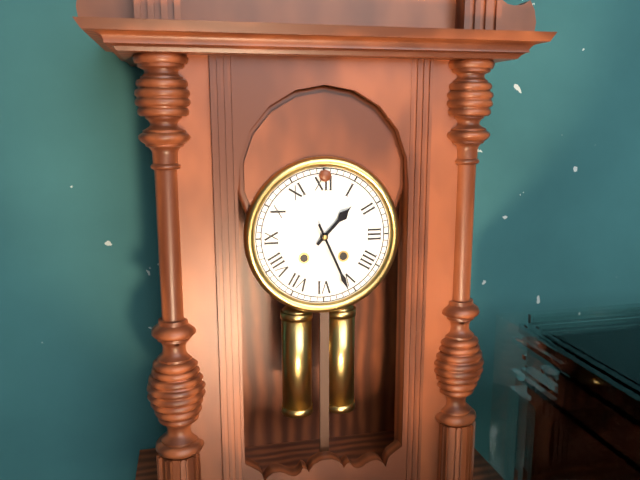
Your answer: 1,26
